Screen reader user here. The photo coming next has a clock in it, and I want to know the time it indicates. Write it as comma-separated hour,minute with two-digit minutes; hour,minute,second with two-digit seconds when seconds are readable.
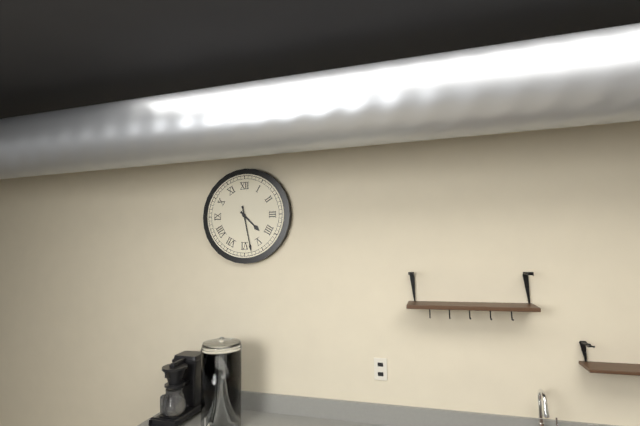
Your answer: 4,28
